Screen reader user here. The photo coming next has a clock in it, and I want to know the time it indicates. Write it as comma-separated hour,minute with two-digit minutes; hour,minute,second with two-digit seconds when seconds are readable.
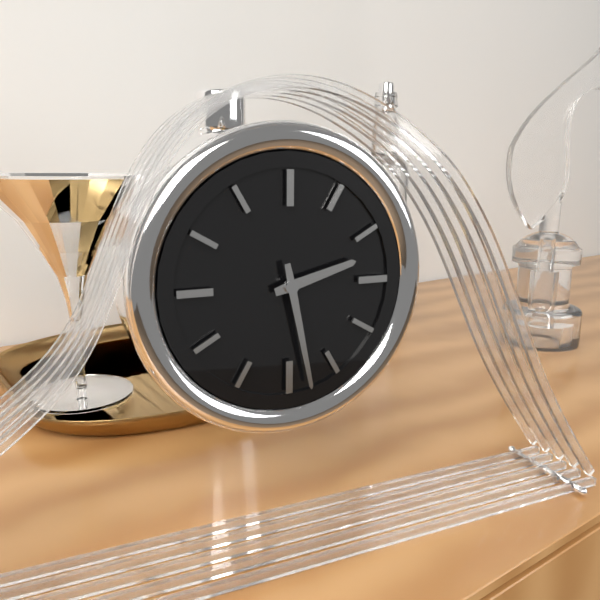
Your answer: 2,28
